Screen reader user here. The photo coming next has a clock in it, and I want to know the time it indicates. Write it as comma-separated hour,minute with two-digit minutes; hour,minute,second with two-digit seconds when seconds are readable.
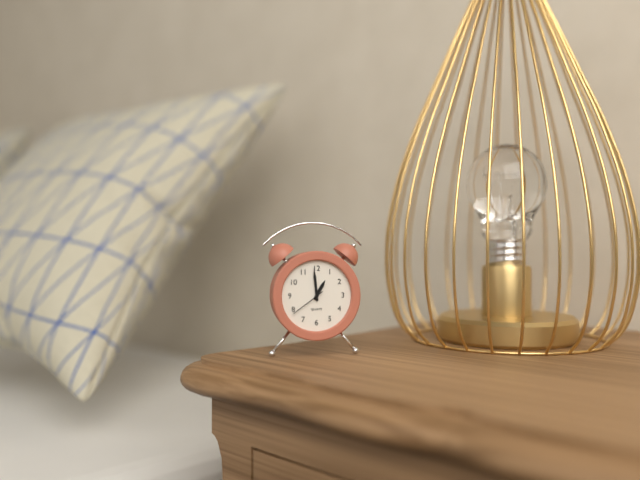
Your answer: 12,59
